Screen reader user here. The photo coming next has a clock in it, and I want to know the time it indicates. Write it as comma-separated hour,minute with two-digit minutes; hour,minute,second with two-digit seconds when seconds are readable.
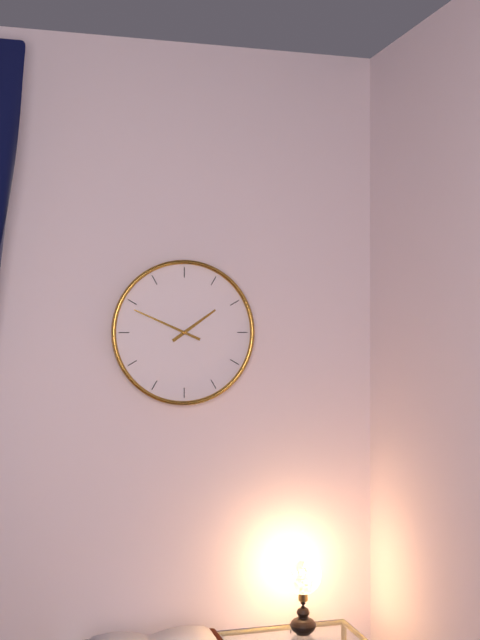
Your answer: 1,49
